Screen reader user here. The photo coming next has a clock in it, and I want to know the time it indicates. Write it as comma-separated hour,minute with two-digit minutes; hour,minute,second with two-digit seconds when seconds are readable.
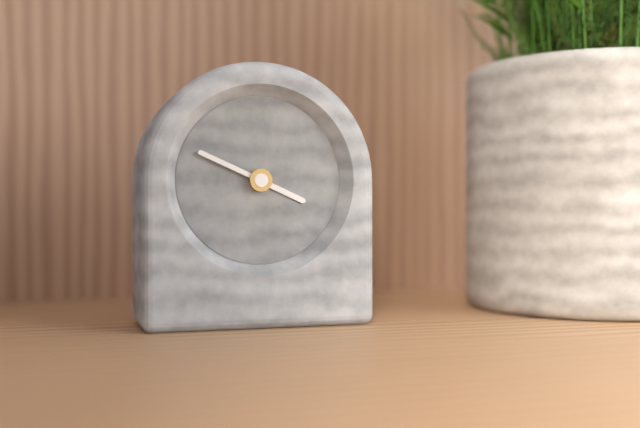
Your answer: 3,49
